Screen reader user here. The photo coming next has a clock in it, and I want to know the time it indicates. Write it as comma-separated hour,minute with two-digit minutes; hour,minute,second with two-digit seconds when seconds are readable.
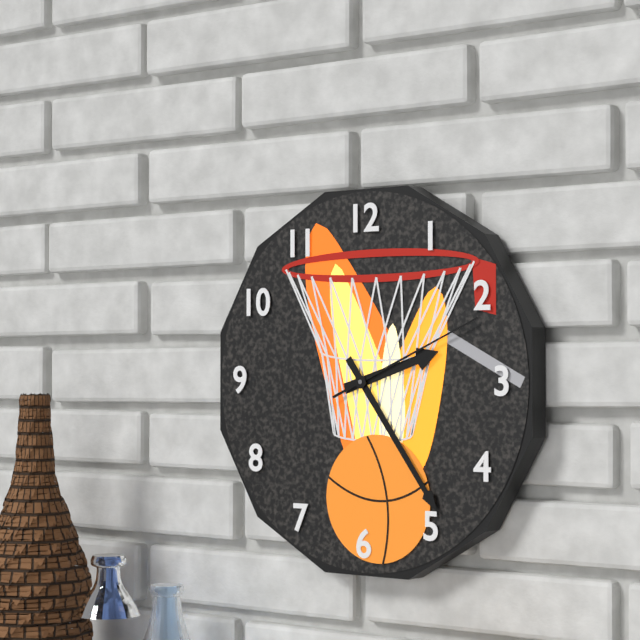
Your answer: 2,24,11
